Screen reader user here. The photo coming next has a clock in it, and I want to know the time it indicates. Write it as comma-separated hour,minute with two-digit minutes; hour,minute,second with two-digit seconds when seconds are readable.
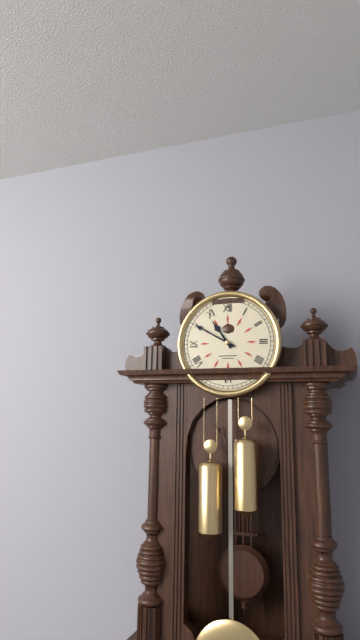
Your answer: 10,50
